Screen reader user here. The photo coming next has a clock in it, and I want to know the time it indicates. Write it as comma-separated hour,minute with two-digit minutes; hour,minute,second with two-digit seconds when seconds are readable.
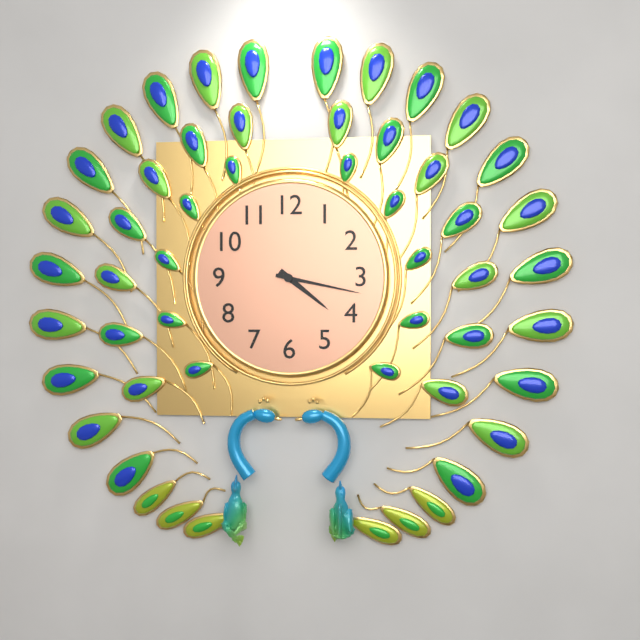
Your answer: 4,17
